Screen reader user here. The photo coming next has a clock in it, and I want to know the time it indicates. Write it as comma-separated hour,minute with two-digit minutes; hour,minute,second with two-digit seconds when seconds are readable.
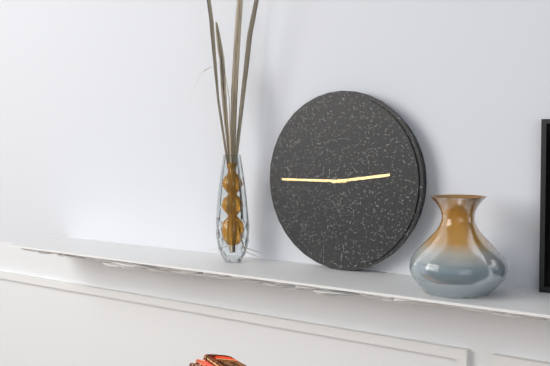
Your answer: 2,45
